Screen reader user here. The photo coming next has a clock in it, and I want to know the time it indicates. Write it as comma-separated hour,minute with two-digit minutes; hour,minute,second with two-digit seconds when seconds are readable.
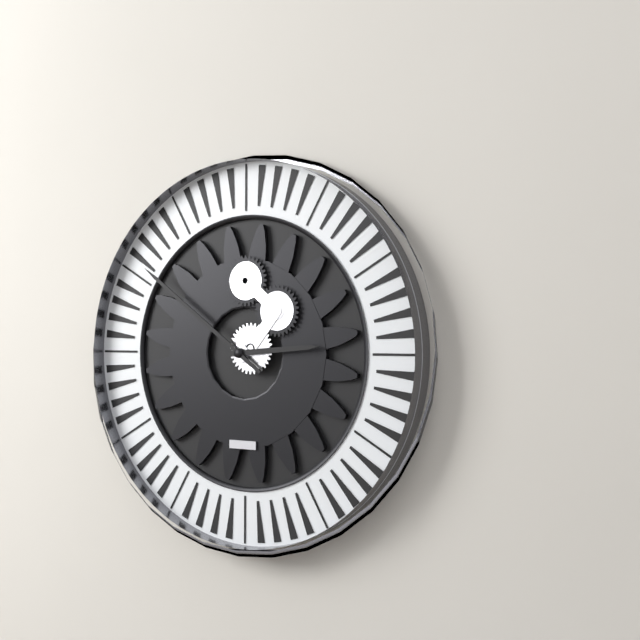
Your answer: 2,51
